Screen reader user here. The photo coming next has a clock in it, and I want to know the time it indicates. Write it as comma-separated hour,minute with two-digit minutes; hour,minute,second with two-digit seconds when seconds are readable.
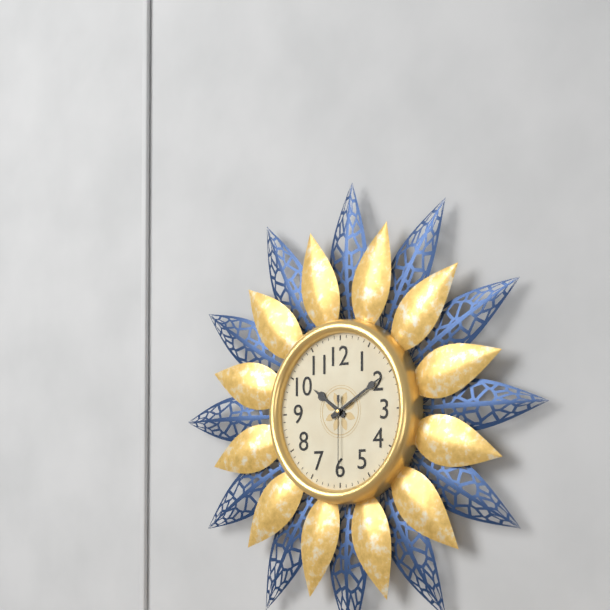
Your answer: 10,10,30
